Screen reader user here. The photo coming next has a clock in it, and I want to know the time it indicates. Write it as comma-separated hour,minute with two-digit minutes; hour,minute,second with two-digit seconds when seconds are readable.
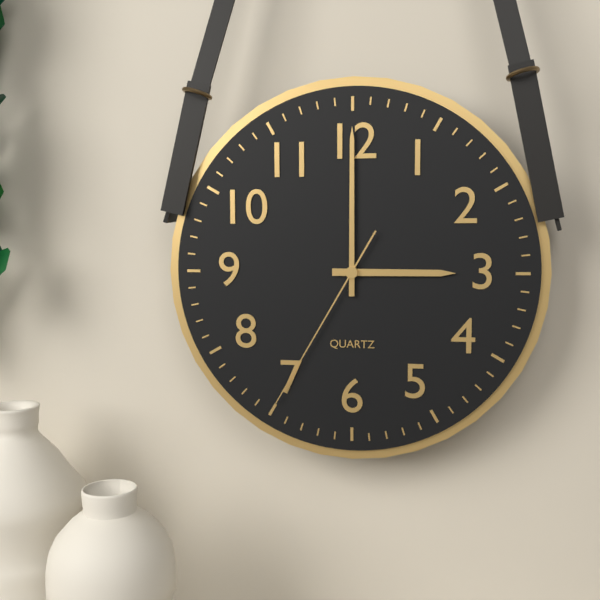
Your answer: 3,00,35
